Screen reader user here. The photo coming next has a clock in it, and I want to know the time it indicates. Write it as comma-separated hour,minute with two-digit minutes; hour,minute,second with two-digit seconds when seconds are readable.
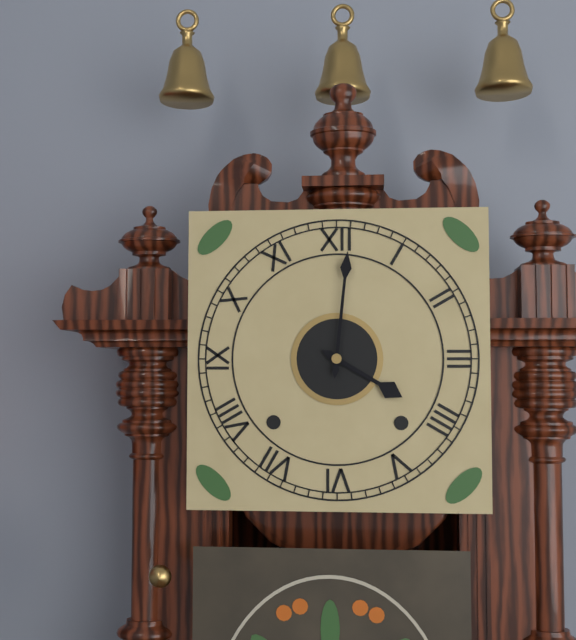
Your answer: 4,01
